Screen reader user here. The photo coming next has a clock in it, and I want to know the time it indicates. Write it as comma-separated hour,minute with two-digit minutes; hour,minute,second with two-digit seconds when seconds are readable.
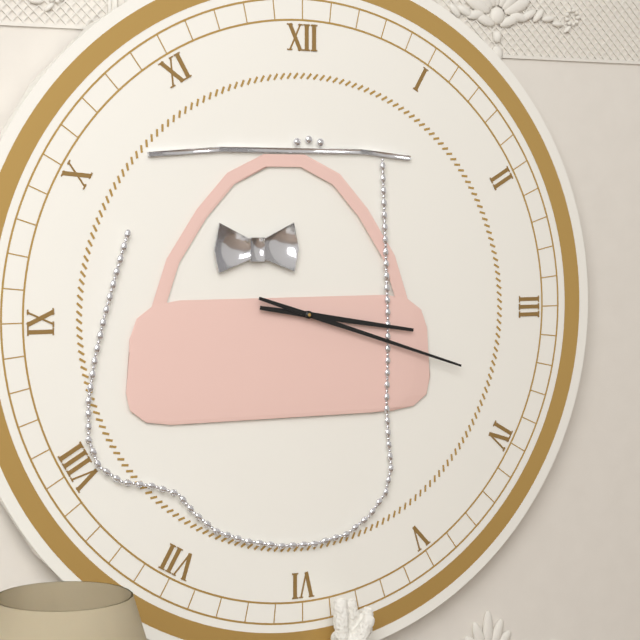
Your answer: 3,18
